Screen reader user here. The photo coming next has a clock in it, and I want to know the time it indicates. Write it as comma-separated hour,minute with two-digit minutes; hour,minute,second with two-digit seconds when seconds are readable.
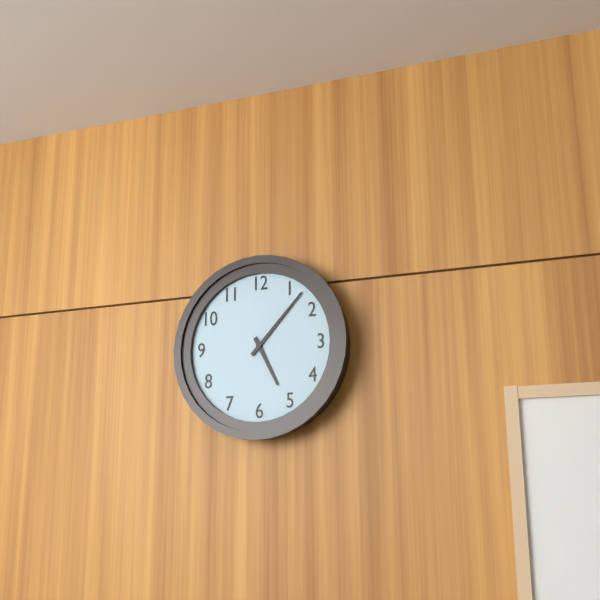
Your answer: 5,07
